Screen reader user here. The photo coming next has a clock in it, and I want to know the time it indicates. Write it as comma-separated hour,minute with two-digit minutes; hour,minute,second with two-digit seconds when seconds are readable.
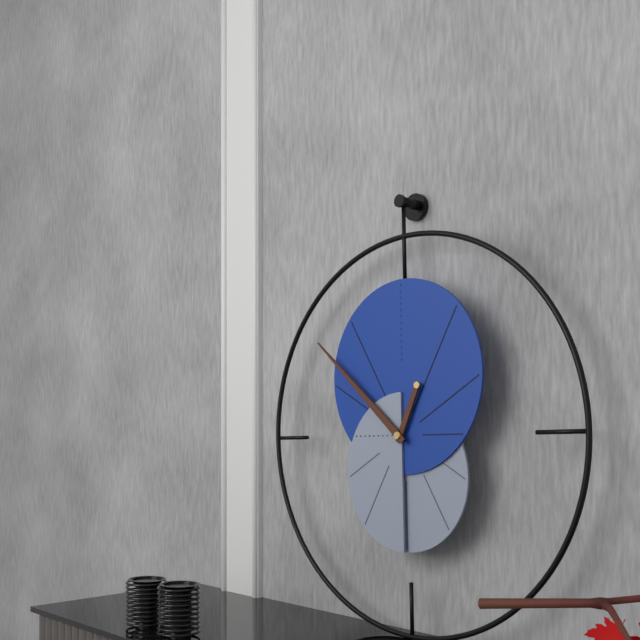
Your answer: 12,52
